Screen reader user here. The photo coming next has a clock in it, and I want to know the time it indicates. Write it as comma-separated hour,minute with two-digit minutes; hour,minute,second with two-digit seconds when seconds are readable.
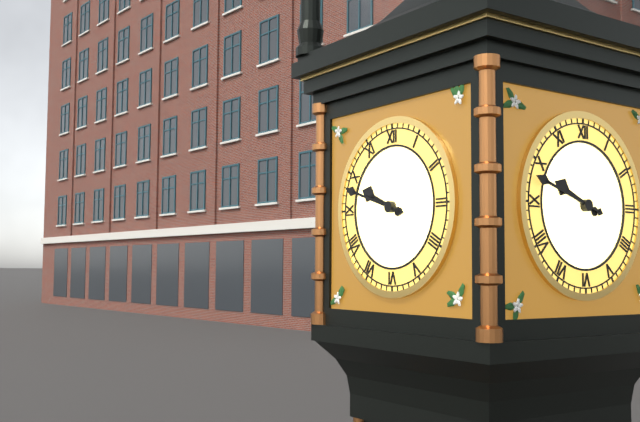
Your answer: 9,48
